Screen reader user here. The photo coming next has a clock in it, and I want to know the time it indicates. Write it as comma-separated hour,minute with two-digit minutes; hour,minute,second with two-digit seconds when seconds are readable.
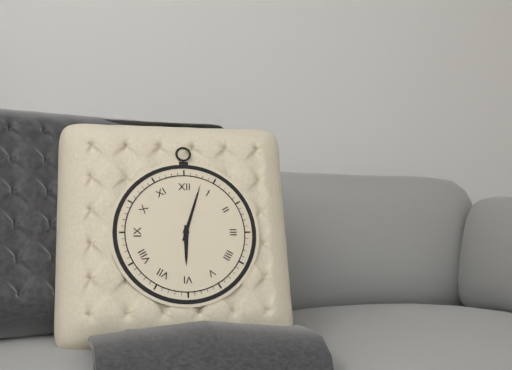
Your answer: 6,03
